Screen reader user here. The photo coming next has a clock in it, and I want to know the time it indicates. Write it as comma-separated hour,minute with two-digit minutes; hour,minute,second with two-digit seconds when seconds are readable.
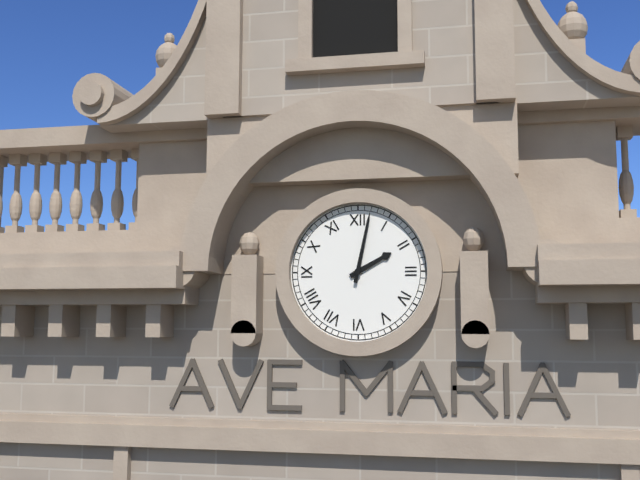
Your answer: 2,02
